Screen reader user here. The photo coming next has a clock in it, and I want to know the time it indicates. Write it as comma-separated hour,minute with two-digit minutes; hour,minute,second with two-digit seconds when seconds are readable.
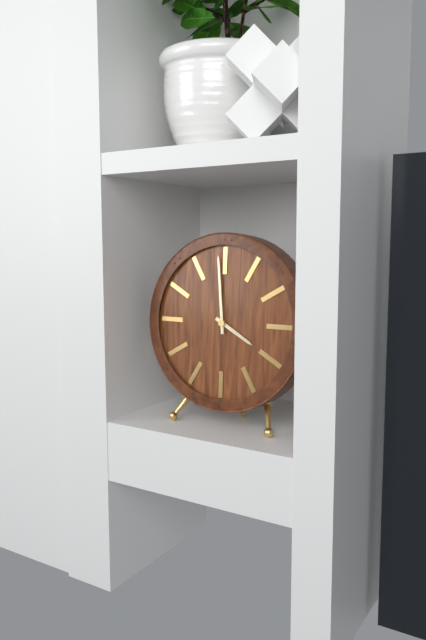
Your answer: 3,59
